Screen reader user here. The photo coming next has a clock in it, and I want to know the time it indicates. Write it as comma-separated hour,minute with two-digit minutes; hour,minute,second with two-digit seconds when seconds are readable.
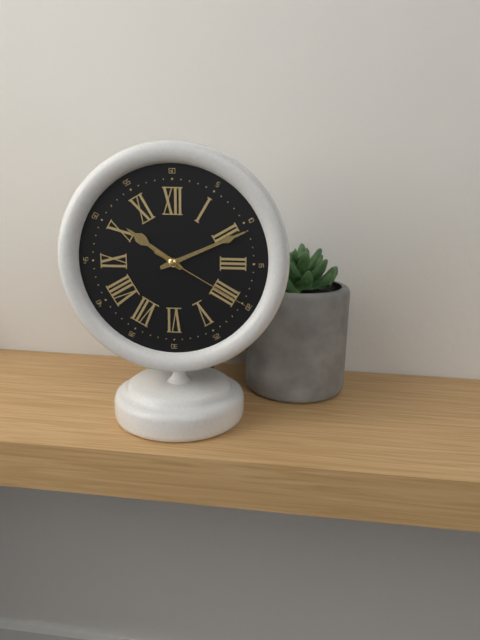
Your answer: 10,11,20
